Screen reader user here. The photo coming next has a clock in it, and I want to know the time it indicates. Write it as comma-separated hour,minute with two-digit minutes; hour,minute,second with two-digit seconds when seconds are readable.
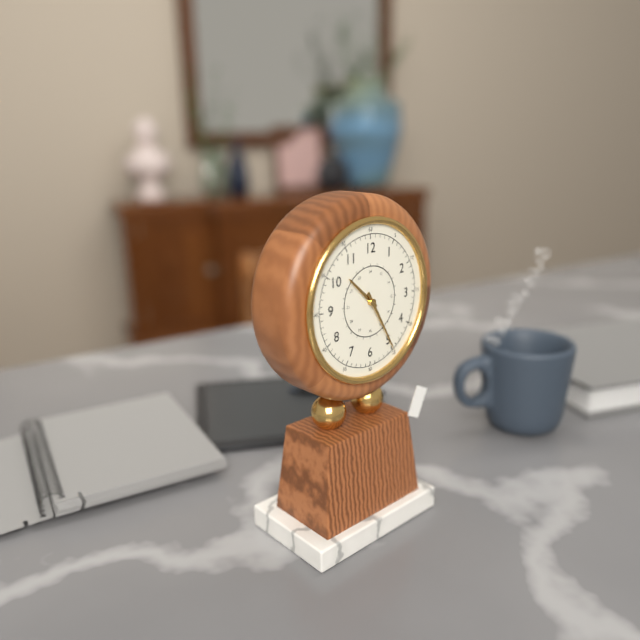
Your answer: 10,25
